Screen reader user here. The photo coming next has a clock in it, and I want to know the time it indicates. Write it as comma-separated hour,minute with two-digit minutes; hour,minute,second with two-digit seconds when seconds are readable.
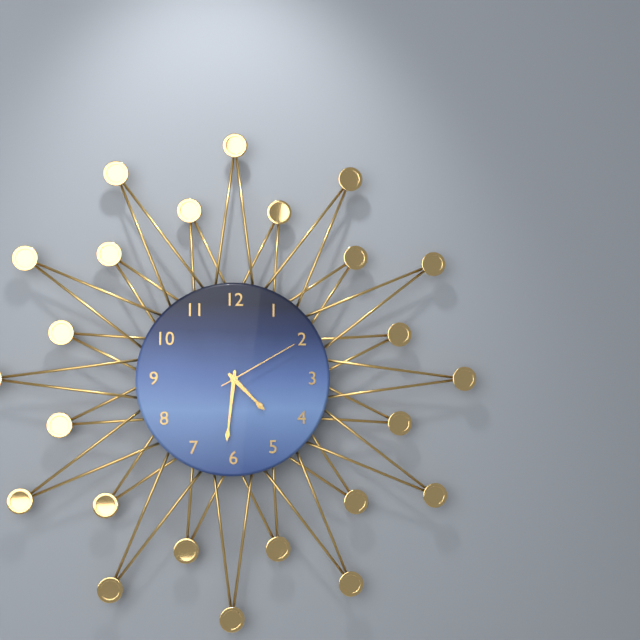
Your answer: 4,31,10
